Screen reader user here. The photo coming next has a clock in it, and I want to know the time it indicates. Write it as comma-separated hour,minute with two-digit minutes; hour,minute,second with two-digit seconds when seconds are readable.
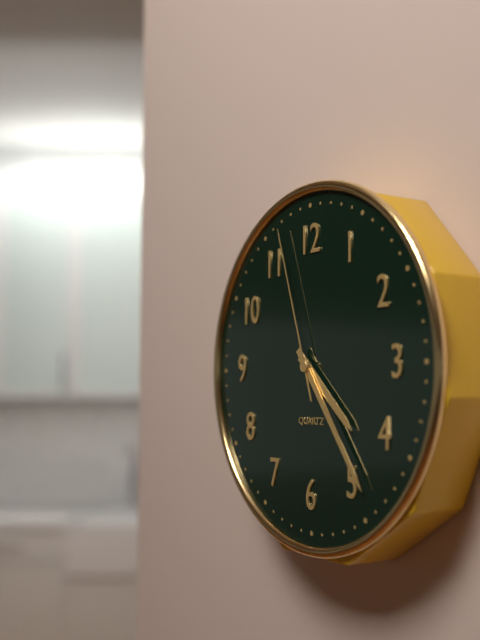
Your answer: 4,24,57
